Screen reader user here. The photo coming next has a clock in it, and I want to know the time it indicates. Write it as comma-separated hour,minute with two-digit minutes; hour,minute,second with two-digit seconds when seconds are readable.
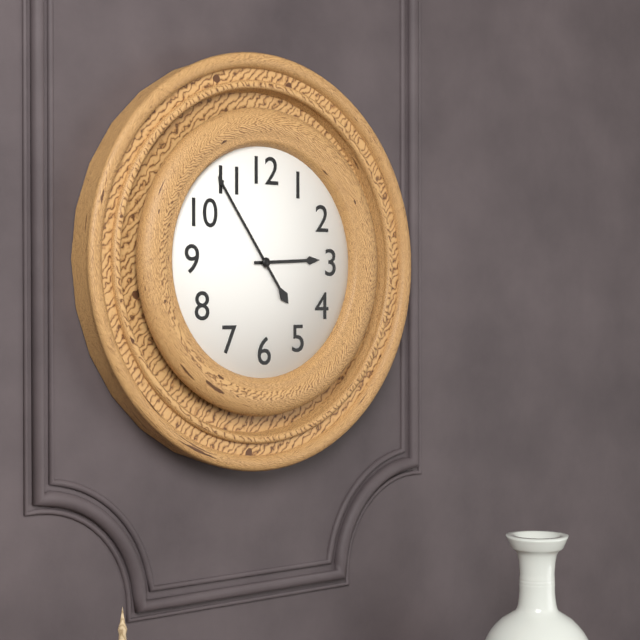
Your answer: 2,54
